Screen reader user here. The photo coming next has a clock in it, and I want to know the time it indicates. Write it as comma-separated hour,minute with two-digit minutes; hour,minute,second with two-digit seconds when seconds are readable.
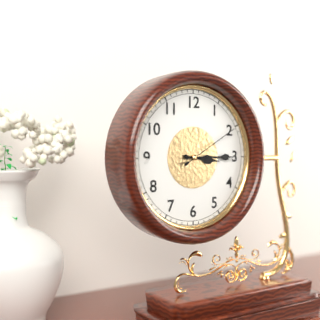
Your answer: 3,15,10
